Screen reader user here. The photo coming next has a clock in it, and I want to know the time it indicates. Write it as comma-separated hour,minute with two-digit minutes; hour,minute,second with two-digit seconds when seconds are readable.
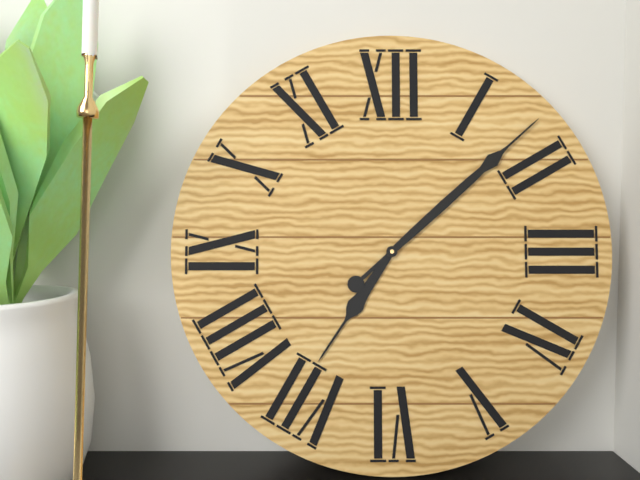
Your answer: 7,08
